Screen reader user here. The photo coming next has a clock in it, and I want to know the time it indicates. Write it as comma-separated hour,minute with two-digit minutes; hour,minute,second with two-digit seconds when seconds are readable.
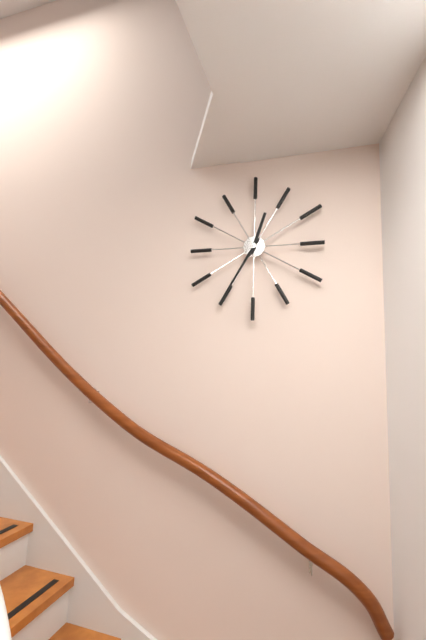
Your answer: 12,35
